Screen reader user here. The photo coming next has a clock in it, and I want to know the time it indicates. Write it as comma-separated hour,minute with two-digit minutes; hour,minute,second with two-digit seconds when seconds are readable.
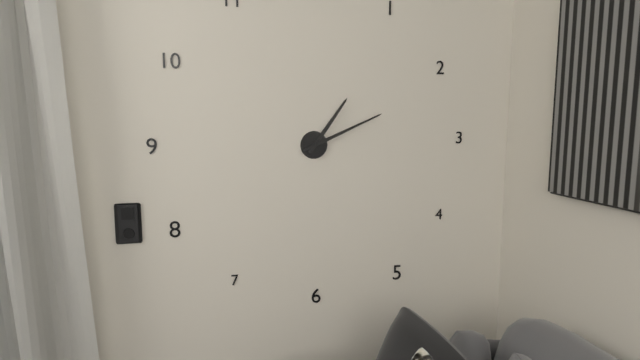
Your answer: 1,11
